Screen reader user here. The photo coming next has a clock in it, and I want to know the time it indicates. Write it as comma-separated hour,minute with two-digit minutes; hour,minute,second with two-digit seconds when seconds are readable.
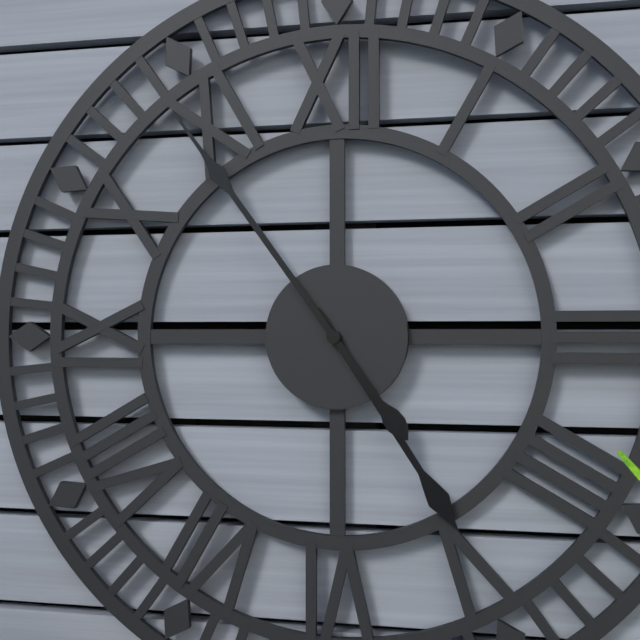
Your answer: 4,54
